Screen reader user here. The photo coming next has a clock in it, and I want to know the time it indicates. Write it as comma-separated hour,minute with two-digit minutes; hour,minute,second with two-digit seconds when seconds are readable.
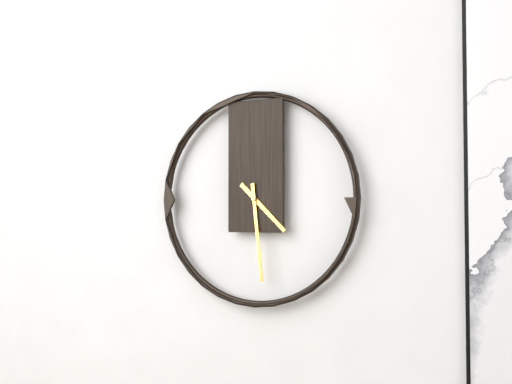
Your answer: 4,29
